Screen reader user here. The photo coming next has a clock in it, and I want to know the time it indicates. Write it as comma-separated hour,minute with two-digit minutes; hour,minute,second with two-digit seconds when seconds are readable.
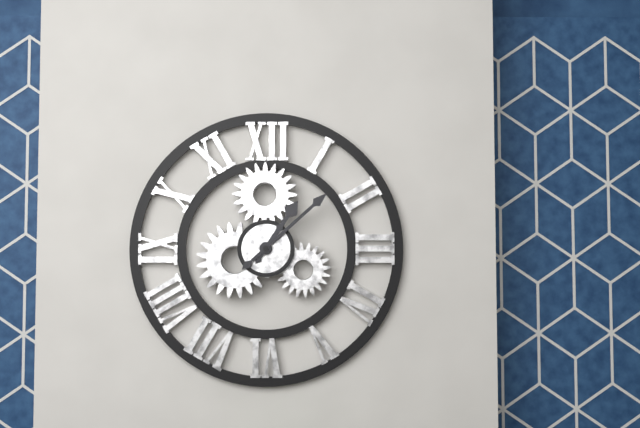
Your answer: 1,08
